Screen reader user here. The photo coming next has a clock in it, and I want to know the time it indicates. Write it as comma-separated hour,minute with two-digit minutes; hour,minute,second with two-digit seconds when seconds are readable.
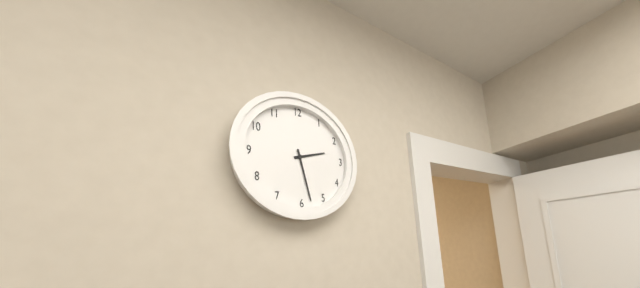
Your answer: 2,28
